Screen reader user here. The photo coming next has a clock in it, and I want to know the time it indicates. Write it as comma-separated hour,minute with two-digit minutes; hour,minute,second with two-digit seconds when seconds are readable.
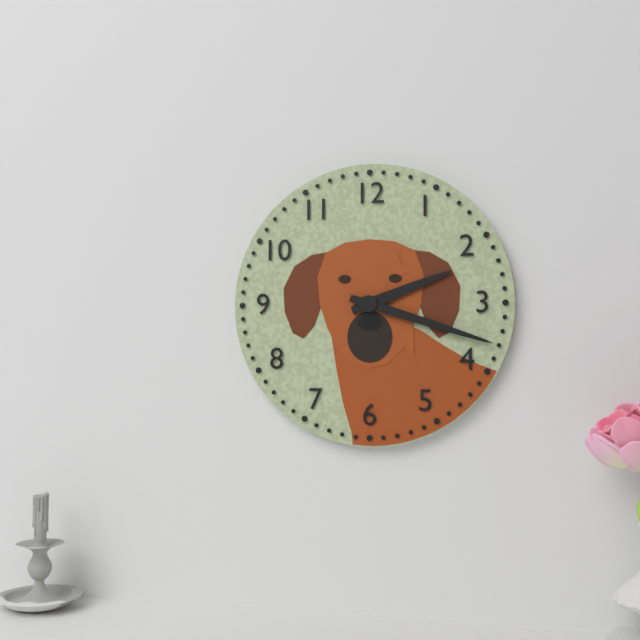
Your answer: 2,18
